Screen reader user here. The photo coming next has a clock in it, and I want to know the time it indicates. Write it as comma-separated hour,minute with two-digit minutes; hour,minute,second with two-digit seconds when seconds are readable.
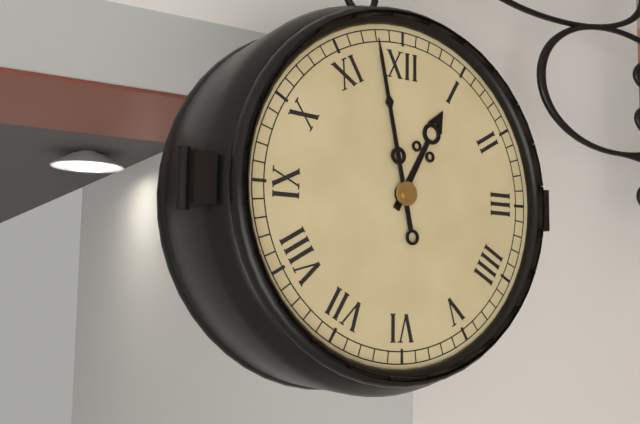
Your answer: 12,58
